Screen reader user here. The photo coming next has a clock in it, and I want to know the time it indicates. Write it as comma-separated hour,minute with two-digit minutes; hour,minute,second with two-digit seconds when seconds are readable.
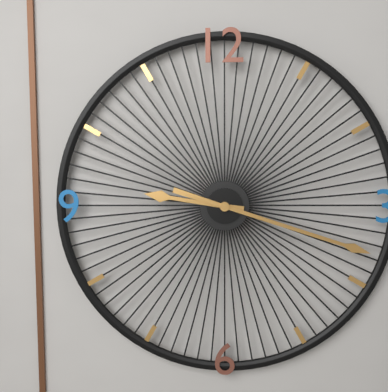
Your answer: 9,18
